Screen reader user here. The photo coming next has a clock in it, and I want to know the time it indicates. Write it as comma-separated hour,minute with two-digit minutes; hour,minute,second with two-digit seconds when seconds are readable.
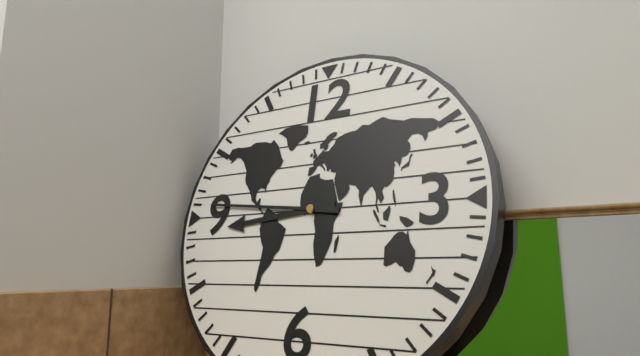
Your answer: 8,46
